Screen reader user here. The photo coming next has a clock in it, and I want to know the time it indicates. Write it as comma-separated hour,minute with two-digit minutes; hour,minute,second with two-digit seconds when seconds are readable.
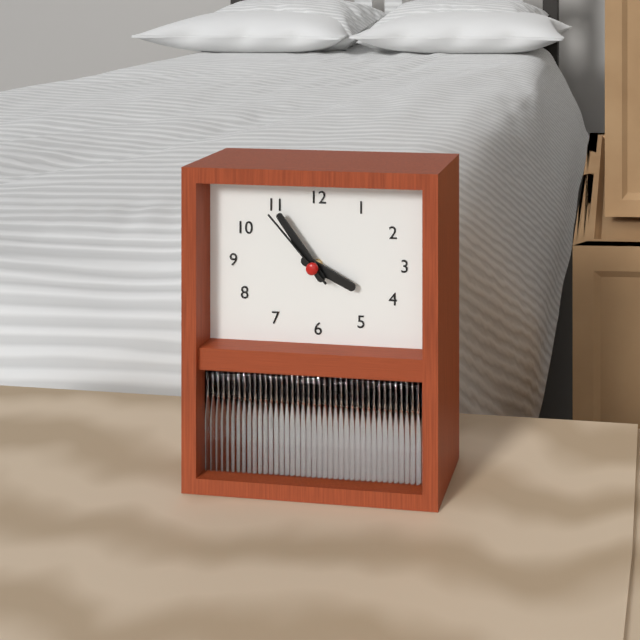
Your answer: 3,54,53
